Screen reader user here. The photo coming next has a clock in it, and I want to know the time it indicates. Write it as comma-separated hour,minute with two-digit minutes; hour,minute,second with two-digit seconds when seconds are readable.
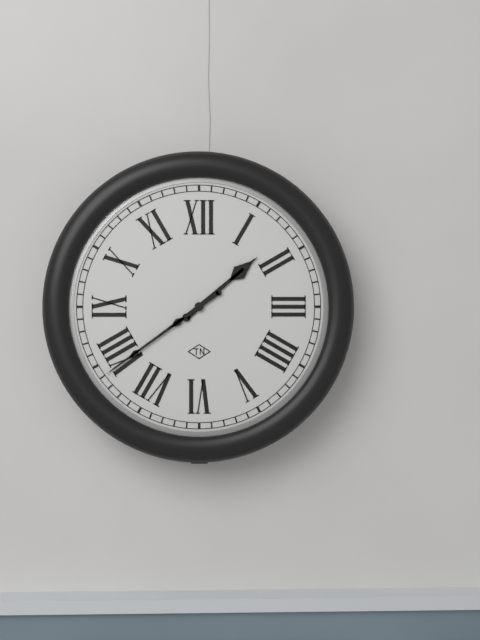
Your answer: 1,39
